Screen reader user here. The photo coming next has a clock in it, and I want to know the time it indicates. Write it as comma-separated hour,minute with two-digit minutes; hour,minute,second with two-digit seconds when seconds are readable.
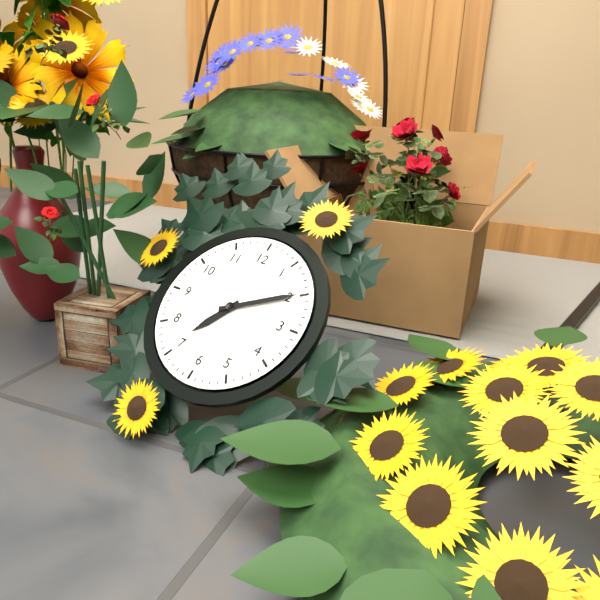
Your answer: 7,10
